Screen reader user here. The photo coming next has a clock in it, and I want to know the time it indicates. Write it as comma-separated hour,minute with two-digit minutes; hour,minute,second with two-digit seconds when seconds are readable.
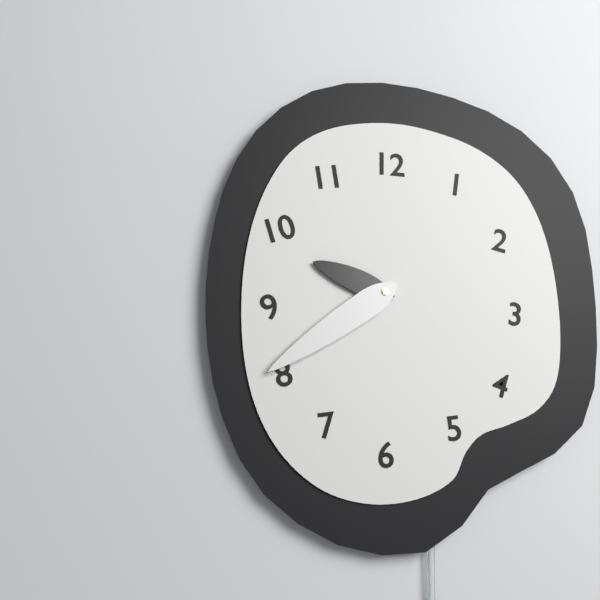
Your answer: 9,39
